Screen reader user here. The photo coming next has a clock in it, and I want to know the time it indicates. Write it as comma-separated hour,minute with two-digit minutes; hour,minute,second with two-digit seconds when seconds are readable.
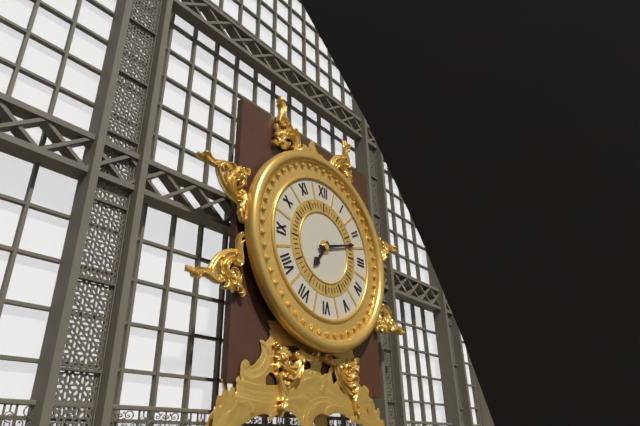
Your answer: 7,12
